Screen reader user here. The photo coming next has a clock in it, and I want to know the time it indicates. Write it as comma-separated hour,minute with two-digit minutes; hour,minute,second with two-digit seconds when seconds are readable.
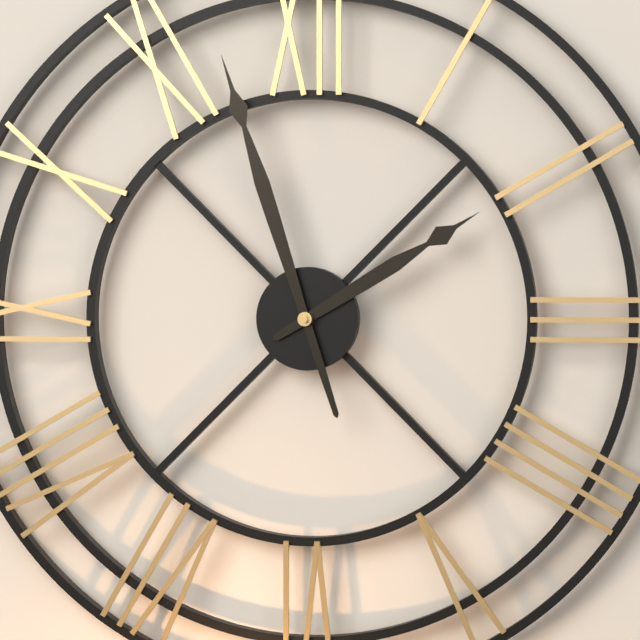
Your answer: 1,57
